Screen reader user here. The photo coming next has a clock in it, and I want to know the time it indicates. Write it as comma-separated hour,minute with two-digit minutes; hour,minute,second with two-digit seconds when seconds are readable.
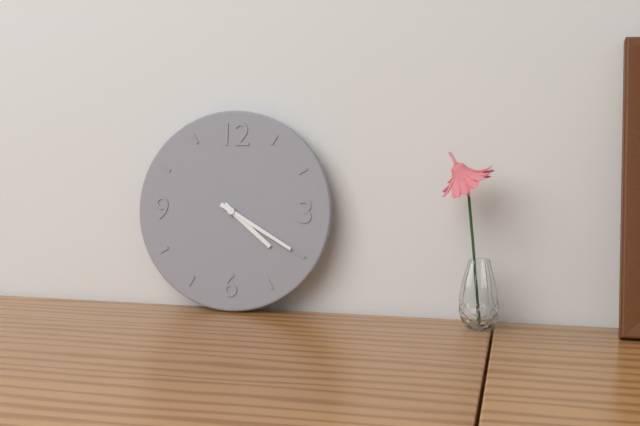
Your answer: 4,20
